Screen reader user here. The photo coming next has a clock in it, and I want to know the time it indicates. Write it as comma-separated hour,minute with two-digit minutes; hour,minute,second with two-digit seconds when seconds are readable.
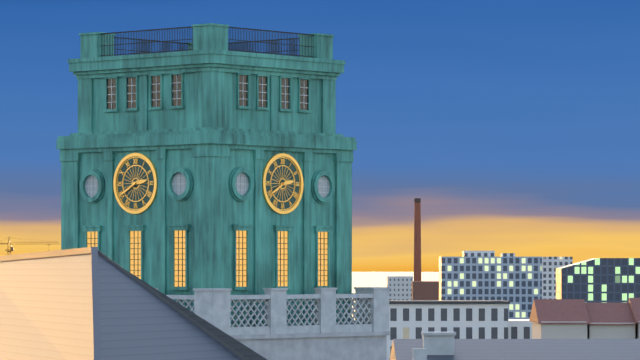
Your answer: 2,40
